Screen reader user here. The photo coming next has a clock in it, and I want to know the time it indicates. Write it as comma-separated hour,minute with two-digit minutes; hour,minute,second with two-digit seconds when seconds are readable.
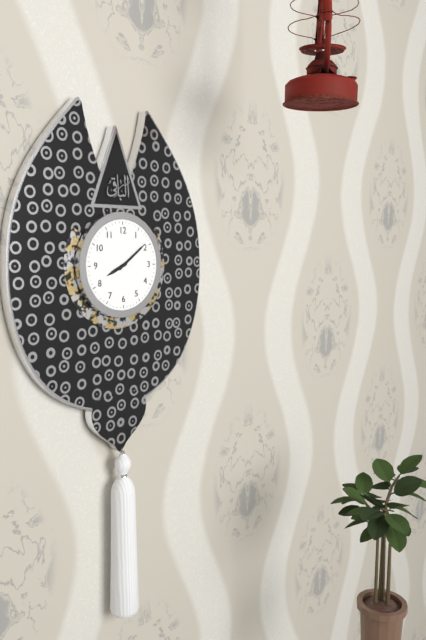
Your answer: 8,09
